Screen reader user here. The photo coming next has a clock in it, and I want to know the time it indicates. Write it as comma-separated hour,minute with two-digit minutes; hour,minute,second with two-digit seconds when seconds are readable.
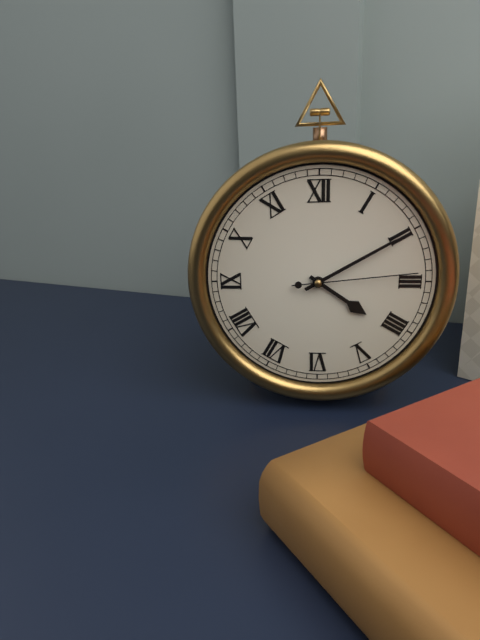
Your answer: 4,10,14
